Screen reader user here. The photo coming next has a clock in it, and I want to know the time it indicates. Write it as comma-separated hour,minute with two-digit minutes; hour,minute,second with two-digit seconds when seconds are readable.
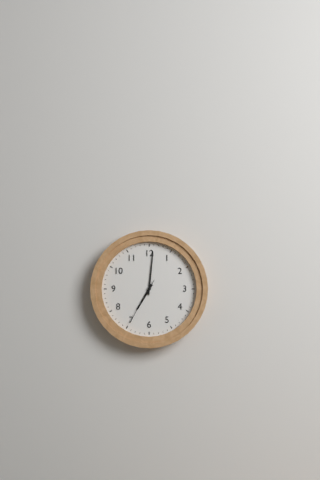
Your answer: 7,01,35
